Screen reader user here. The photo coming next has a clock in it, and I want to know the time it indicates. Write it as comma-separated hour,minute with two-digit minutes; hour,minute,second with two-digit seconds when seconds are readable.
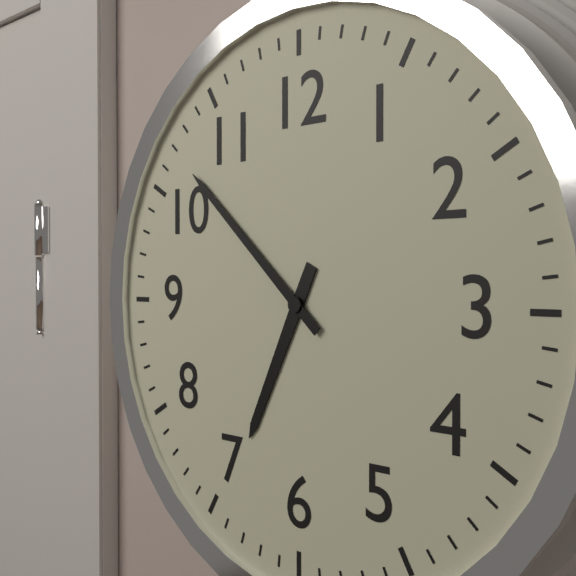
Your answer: 6,52
